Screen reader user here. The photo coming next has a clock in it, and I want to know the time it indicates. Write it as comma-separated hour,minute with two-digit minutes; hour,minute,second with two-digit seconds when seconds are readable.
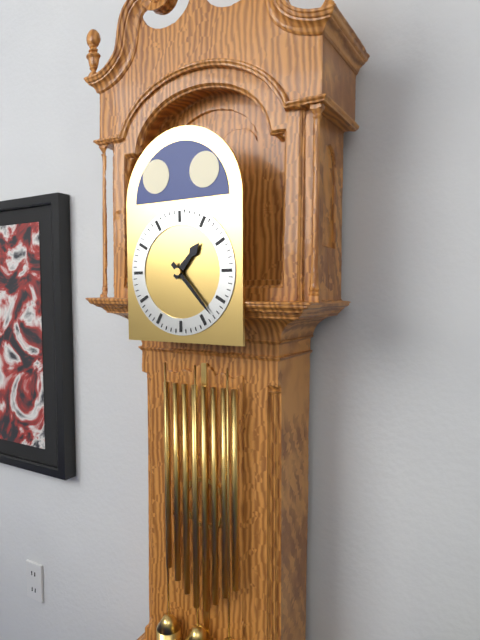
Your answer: 1,23
